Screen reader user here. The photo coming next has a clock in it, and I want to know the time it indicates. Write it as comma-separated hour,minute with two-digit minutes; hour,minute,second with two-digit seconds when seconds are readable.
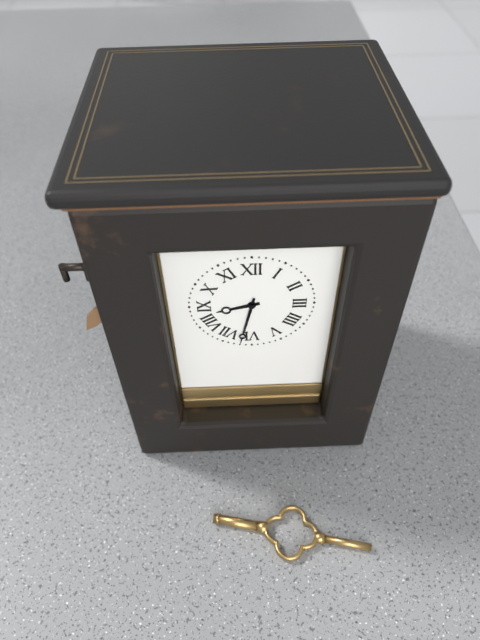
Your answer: 8,32
